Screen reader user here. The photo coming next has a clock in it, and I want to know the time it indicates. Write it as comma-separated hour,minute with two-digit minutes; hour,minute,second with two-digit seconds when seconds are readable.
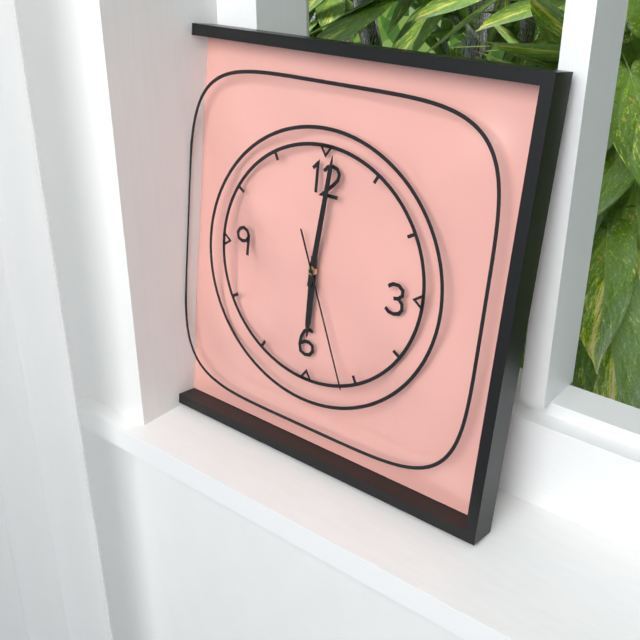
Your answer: 6,01,26
